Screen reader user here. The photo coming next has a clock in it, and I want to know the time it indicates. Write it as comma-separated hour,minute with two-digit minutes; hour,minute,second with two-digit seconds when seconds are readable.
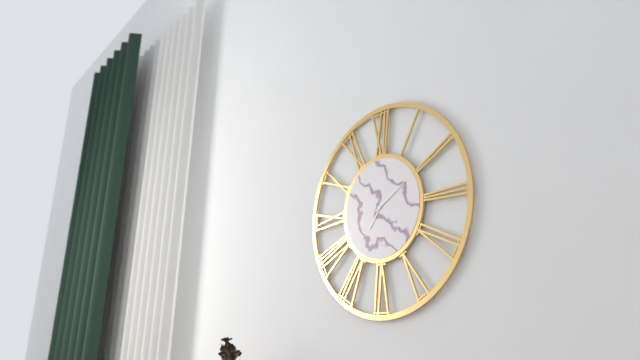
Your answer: 7,10
